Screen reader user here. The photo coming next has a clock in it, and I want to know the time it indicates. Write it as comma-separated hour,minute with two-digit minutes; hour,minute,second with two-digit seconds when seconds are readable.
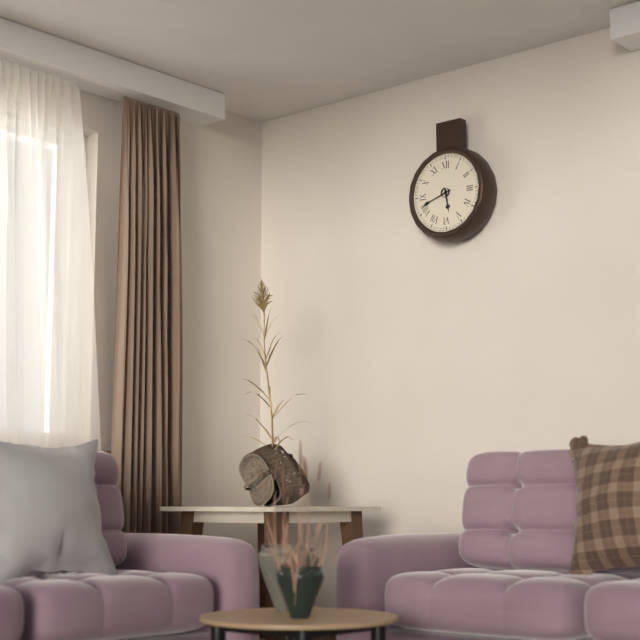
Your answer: 5,42
